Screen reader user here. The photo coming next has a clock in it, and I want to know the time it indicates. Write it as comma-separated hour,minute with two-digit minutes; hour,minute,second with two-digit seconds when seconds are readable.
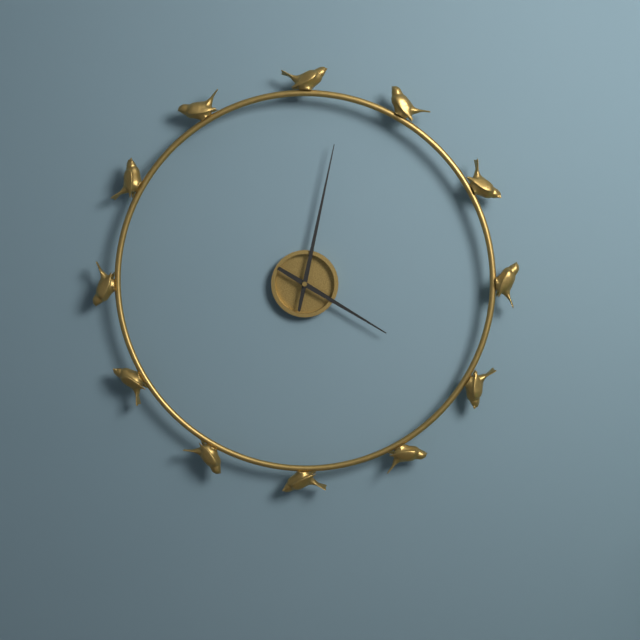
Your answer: 4,02
